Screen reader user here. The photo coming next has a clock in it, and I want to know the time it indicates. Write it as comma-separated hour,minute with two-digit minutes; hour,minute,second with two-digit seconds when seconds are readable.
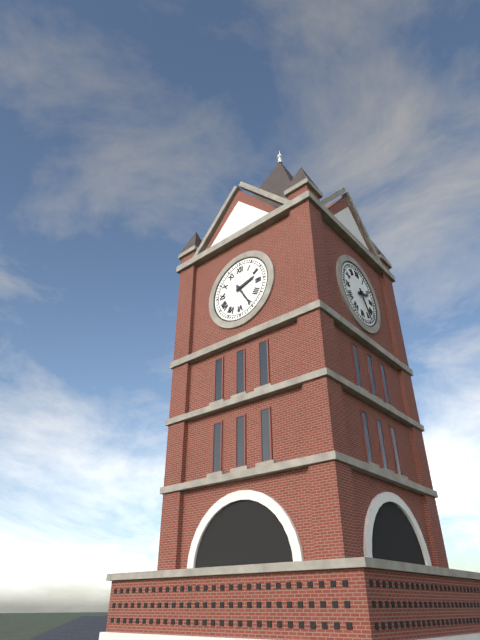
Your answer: 2,25
